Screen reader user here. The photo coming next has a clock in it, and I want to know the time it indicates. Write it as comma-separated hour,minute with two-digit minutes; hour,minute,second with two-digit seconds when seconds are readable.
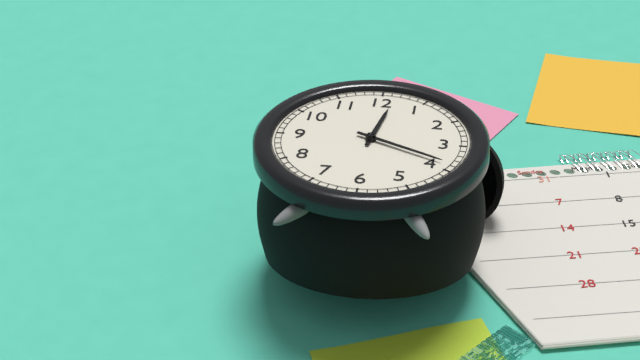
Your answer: 12,19
